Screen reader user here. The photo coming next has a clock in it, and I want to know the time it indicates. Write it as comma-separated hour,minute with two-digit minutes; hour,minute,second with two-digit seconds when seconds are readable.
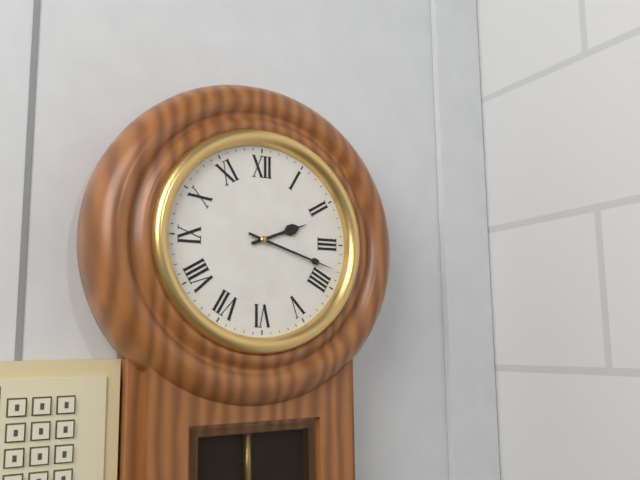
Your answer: 2,18
